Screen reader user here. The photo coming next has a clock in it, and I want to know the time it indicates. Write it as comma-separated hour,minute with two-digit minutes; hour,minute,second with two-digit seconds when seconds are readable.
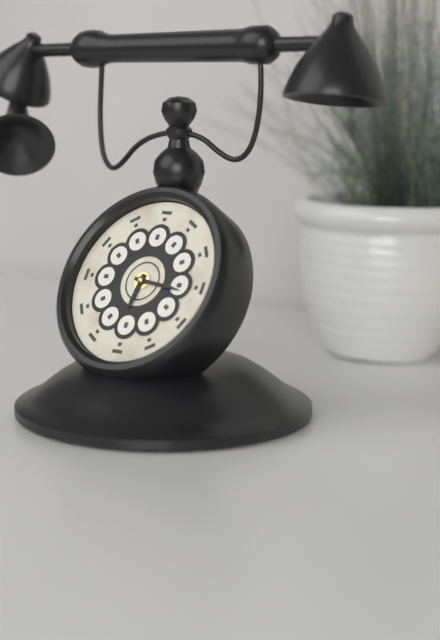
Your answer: 6,16
